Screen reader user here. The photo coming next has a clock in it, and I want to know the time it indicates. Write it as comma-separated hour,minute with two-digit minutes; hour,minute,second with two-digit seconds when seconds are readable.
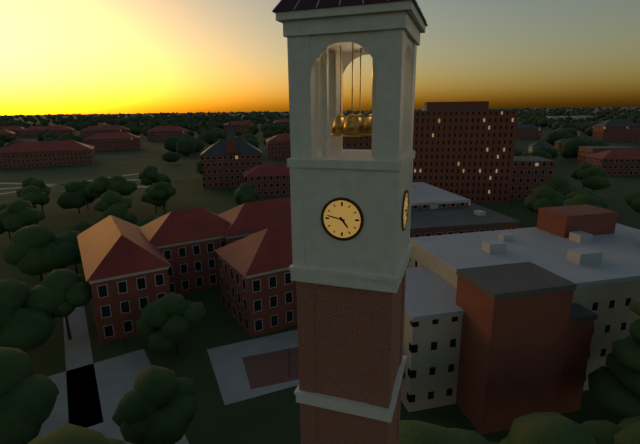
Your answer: 4,47
